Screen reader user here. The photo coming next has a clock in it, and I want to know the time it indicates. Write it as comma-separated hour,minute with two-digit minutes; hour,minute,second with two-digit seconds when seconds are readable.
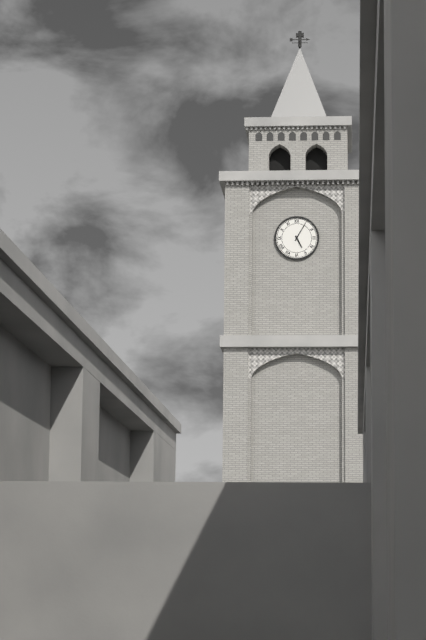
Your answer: 5,05
